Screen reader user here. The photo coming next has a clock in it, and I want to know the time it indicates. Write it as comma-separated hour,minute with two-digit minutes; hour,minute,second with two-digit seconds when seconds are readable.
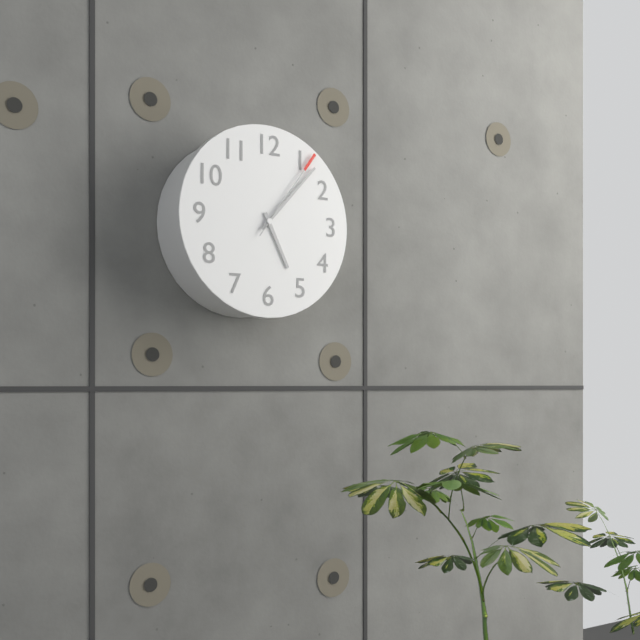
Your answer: 5,07,06
